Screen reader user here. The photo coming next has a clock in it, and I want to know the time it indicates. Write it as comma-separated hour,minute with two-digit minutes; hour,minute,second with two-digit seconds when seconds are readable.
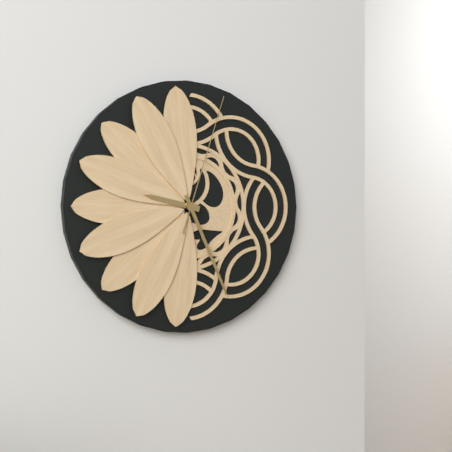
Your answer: 9,26,03
